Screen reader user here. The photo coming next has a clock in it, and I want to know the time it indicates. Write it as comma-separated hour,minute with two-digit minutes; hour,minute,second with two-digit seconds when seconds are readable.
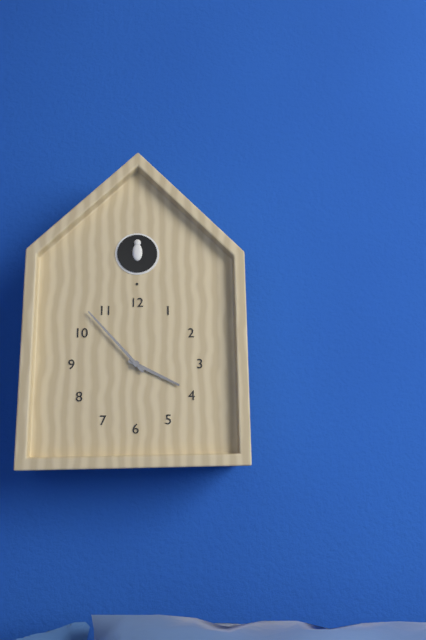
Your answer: 3,53
